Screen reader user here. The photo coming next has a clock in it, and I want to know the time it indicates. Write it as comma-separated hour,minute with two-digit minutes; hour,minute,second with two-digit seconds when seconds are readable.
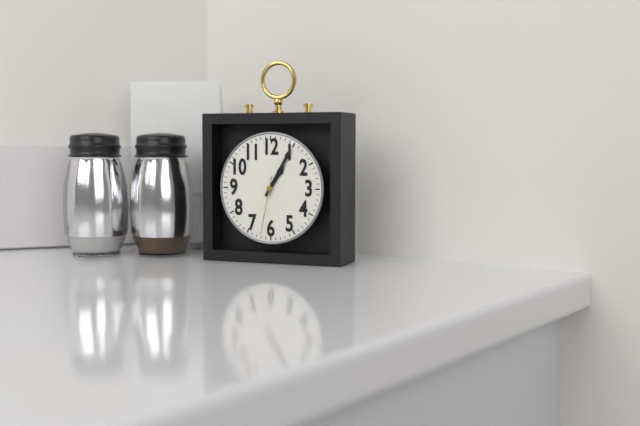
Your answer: 1,05,32
